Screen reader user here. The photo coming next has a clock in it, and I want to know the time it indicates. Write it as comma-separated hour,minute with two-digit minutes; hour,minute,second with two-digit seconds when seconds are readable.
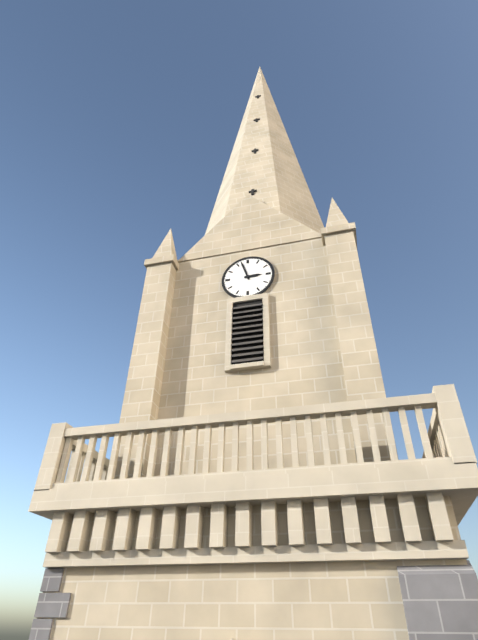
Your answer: 2,57
